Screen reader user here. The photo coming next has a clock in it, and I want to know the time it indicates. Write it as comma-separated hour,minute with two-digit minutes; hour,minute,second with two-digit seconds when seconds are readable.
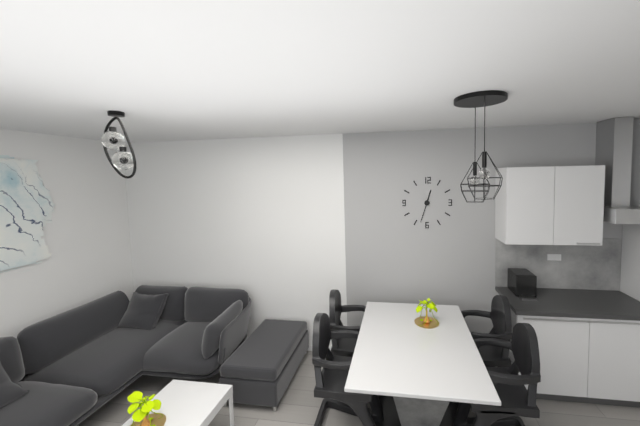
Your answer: 12,33
